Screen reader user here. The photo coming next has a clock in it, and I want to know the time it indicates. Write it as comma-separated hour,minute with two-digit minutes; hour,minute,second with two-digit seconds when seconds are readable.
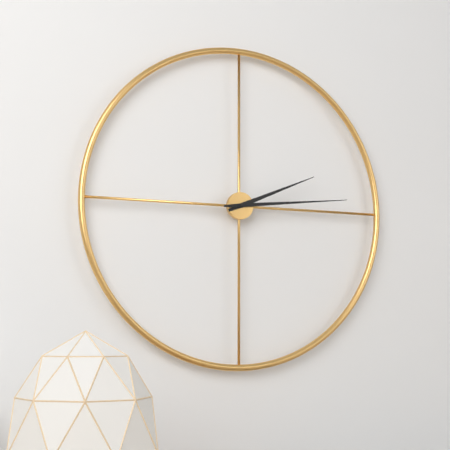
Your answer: 2,14
